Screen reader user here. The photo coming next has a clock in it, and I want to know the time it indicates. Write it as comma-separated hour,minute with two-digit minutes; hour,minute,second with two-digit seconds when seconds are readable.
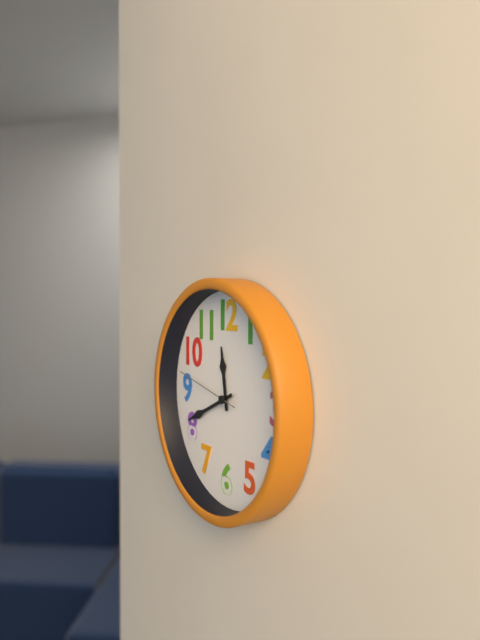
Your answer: 11,41,47
